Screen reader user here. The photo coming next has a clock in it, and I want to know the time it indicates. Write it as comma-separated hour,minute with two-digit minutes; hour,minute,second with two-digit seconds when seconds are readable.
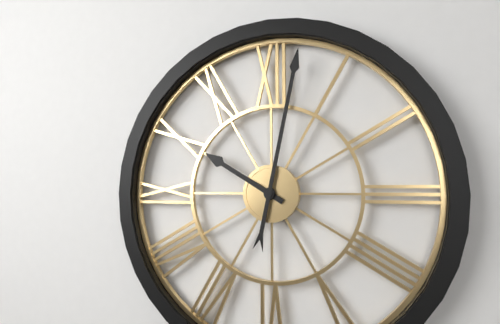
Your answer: 10,02
